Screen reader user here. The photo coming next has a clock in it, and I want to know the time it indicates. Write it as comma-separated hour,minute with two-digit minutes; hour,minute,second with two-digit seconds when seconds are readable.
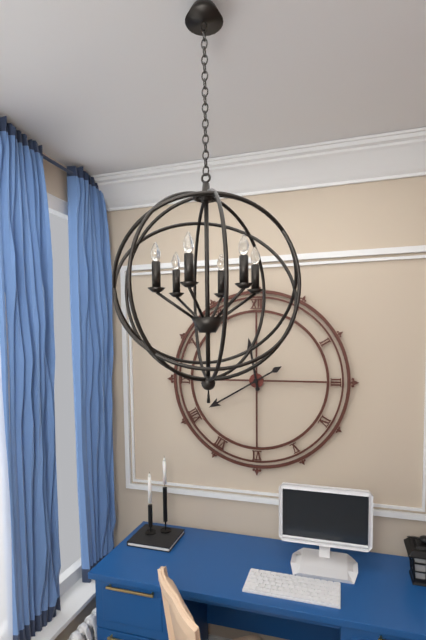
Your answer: 11,40
